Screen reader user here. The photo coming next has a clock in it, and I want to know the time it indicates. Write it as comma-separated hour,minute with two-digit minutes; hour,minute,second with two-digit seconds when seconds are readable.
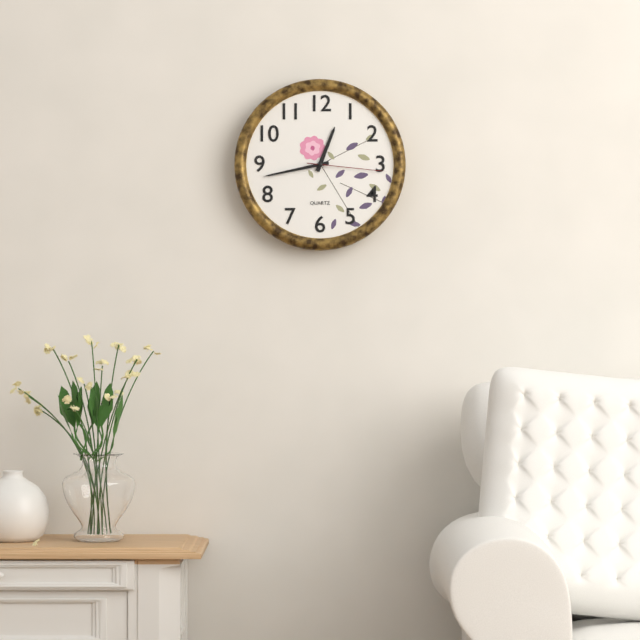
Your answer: 12,43,16
